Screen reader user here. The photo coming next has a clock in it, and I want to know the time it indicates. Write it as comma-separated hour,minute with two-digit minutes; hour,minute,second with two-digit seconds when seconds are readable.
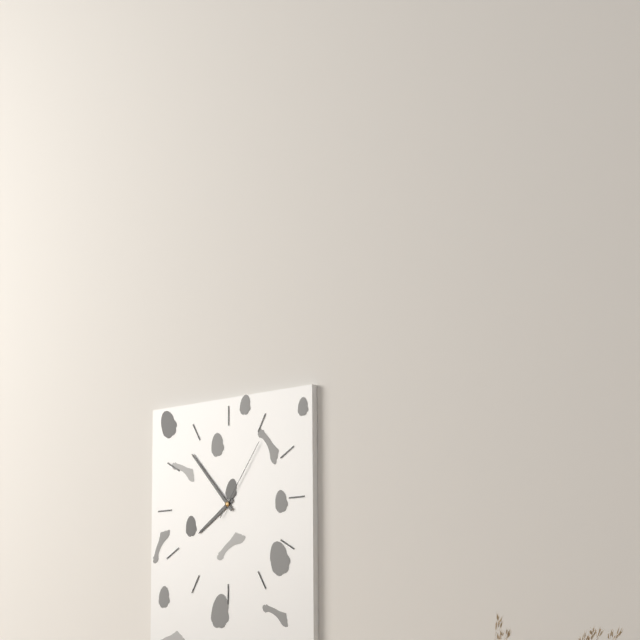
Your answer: 7,53,06
